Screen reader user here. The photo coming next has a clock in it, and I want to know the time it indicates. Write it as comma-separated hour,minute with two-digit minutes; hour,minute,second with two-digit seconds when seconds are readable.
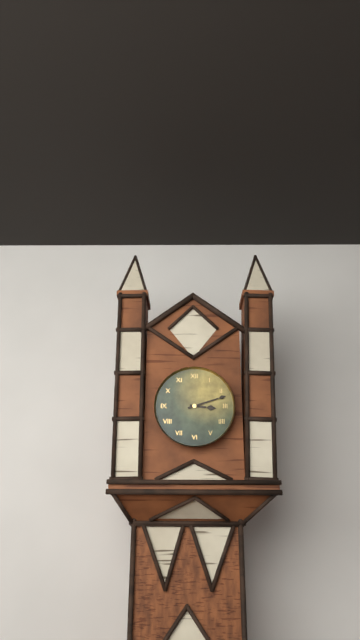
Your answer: 3,12
